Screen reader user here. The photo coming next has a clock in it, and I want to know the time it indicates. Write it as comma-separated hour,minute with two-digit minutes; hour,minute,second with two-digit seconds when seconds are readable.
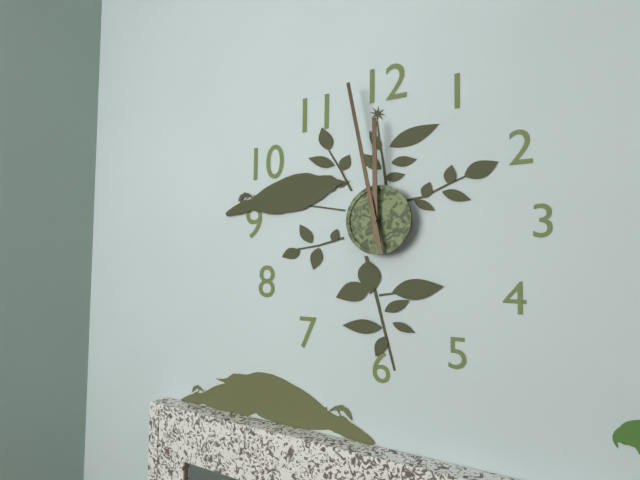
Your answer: 11,58
